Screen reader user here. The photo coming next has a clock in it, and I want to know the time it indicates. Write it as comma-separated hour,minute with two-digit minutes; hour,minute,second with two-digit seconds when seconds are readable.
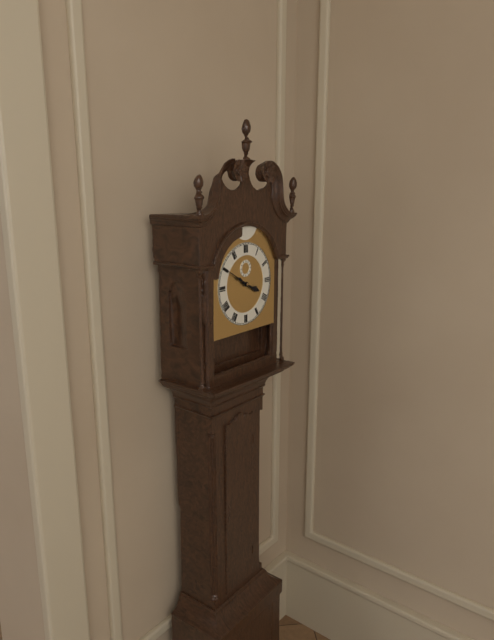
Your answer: 3,50
